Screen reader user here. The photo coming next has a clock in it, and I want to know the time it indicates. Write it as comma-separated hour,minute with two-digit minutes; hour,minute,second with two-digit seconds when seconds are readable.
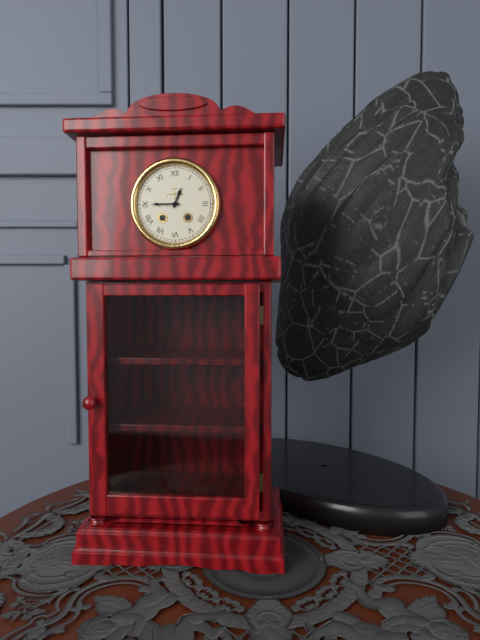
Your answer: 12,45
